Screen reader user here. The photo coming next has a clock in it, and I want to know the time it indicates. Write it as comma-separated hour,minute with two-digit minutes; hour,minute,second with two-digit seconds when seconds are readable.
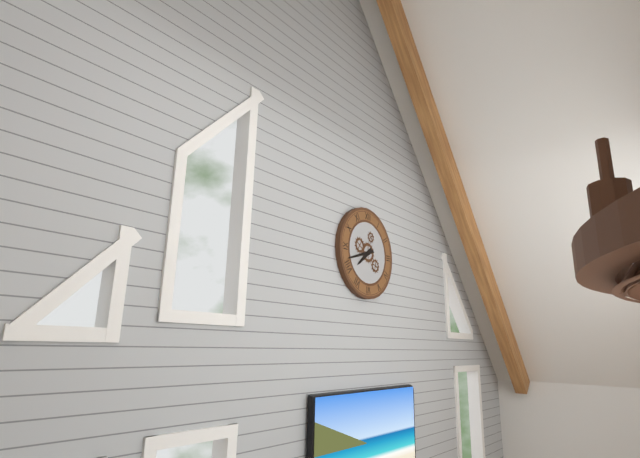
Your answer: 7,42
